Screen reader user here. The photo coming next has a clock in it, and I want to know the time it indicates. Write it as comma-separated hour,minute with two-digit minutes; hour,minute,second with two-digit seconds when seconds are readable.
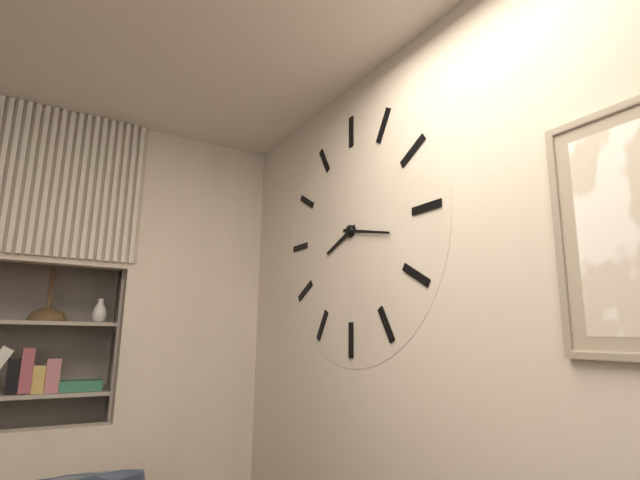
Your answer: 8,17
